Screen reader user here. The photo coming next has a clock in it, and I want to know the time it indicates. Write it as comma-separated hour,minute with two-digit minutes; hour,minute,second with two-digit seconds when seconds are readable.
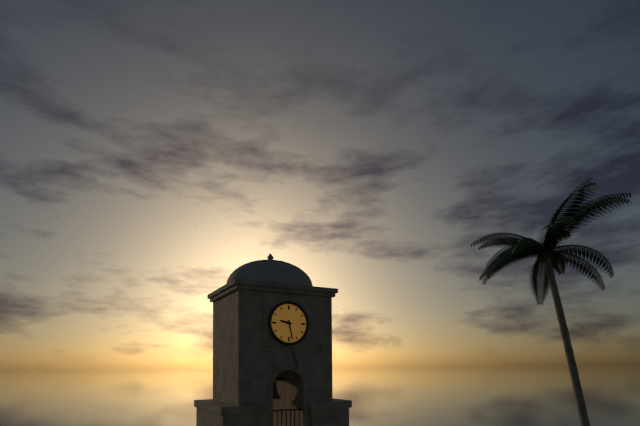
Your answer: 9,28
